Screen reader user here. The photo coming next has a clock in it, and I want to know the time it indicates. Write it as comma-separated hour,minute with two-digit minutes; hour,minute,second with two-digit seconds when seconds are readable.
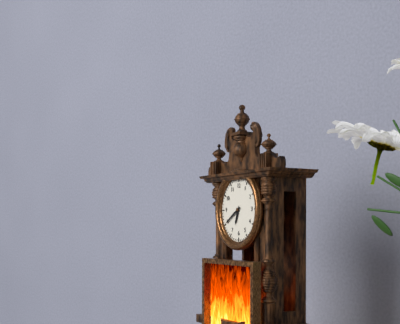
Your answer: 6,40
